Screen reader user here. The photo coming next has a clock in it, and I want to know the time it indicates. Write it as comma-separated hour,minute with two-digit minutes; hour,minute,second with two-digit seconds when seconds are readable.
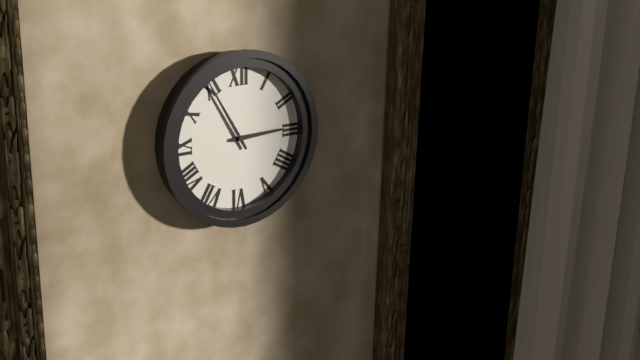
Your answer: 2,55
